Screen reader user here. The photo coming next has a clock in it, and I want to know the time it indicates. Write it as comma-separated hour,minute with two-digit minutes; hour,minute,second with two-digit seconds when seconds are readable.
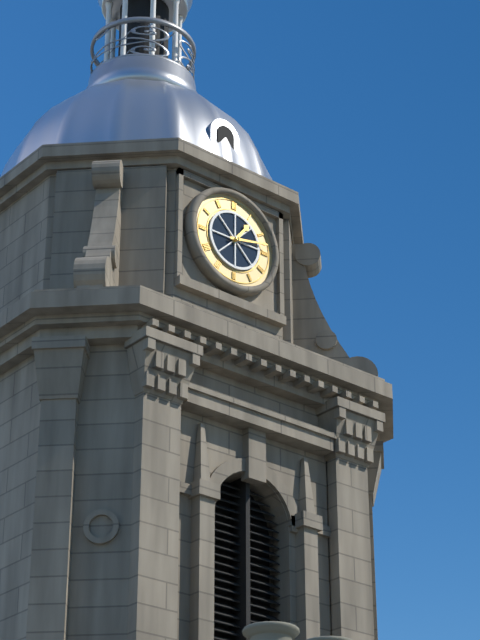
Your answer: 1,13
